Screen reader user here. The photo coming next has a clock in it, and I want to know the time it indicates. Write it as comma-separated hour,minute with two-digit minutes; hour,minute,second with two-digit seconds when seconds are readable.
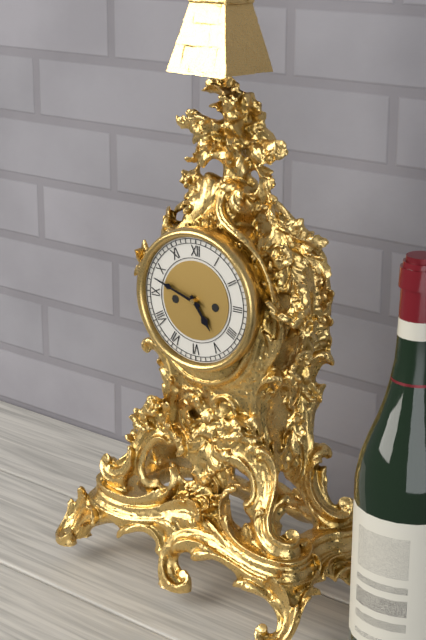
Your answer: 4,48
